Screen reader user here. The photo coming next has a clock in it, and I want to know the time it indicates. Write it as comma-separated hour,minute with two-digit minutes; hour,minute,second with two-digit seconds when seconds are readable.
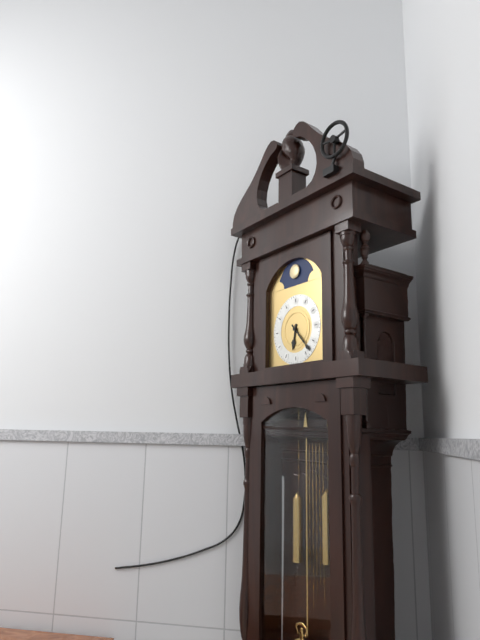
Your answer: 6,23
